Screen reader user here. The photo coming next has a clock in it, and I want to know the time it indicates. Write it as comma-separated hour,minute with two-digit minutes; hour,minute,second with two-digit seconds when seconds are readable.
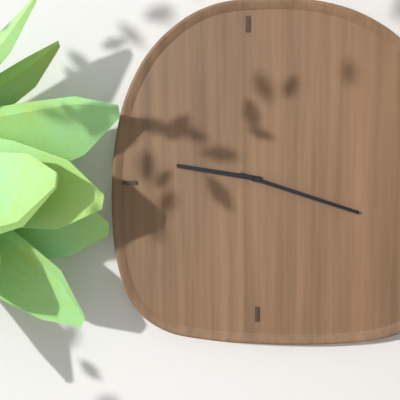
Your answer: 9,18
